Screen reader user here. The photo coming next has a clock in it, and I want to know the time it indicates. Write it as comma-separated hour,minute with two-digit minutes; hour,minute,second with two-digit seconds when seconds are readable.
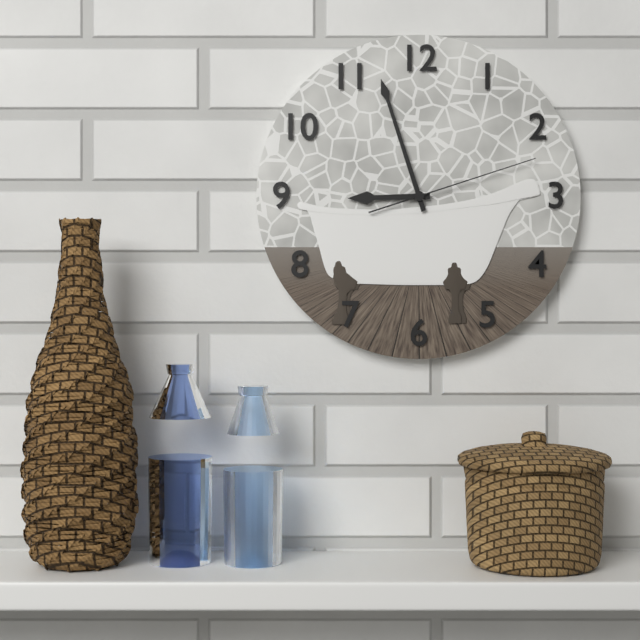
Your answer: 8,57,12
